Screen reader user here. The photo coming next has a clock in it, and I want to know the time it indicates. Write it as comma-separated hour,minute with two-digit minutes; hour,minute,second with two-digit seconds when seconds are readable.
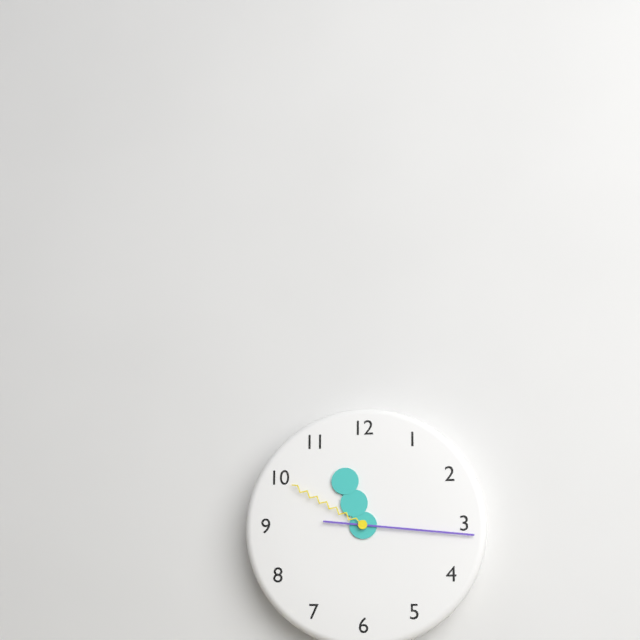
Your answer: 11,16,50
